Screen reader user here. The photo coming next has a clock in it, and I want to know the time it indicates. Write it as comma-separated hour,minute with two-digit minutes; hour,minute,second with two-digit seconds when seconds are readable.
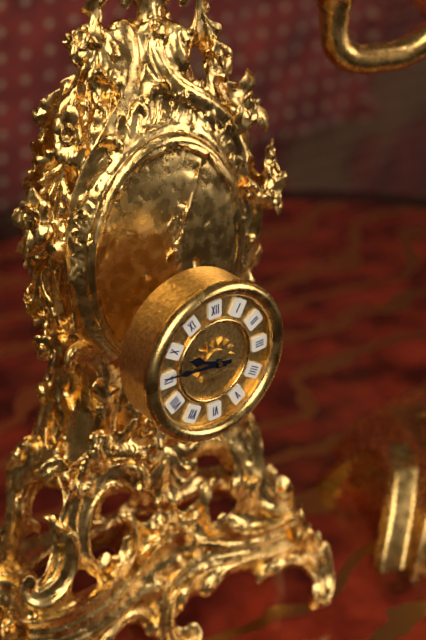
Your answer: 9,46
